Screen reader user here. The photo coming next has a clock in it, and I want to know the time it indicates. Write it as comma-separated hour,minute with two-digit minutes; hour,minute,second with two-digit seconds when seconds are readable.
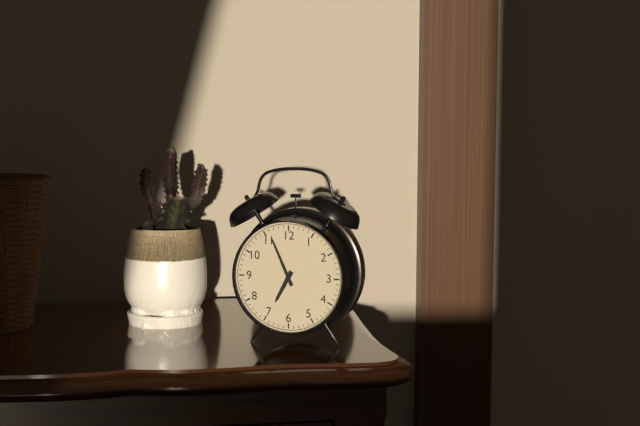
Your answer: 6,56
